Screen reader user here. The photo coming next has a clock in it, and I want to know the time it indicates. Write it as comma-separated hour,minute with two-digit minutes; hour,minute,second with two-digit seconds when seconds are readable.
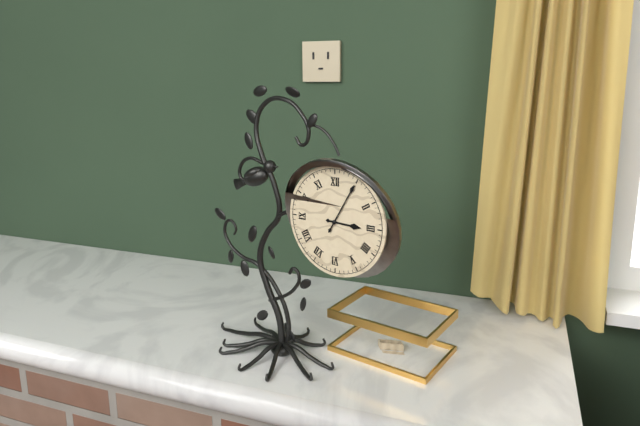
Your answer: 3,05
